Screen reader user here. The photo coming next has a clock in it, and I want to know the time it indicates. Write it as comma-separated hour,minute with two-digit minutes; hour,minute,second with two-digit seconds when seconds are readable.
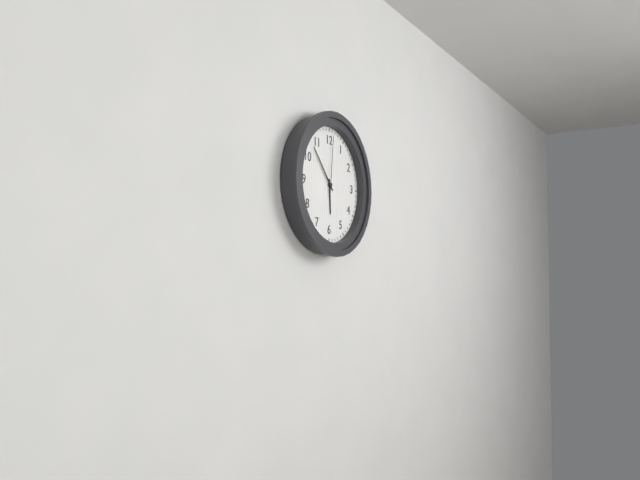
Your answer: 5,53,01
